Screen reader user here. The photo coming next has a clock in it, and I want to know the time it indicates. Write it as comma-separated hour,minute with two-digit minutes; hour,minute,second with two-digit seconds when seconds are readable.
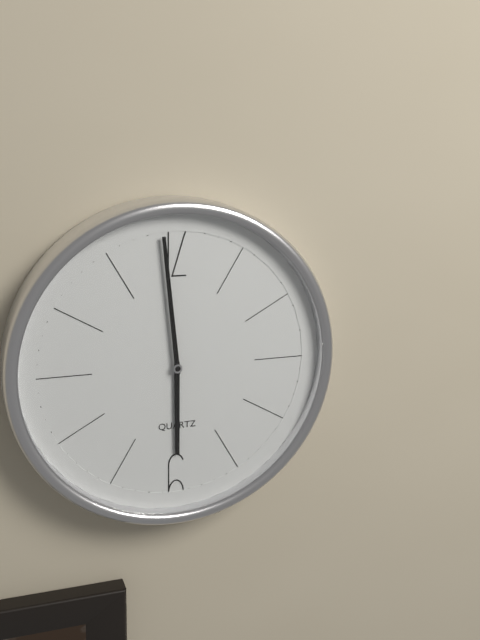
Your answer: 5,59
